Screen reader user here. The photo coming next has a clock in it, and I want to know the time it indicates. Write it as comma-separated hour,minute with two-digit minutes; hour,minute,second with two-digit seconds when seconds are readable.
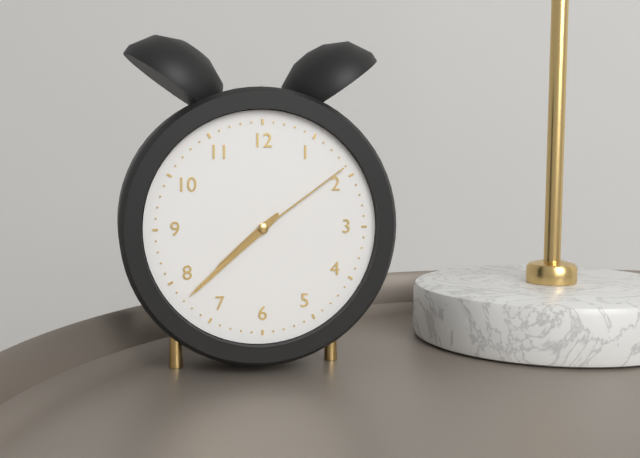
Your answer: 7,38,09
